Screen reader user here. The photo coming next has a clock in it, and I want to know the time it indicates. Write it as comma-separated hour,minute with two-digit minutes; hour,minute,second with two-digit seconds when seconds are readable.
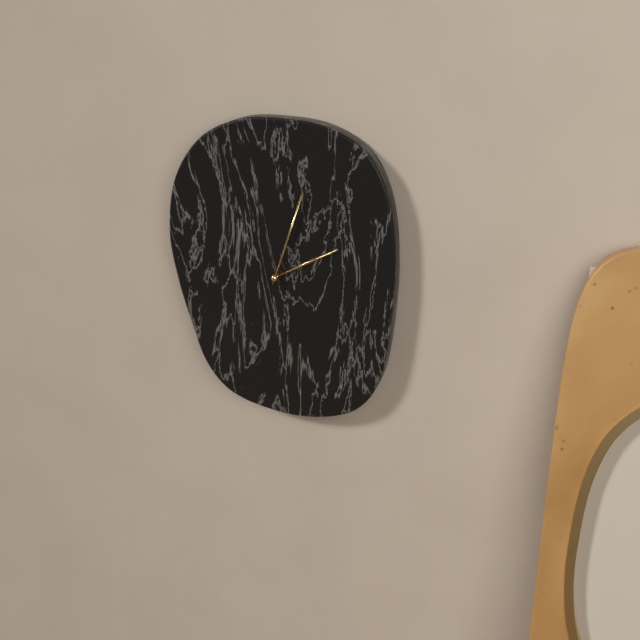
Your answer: 2,03
